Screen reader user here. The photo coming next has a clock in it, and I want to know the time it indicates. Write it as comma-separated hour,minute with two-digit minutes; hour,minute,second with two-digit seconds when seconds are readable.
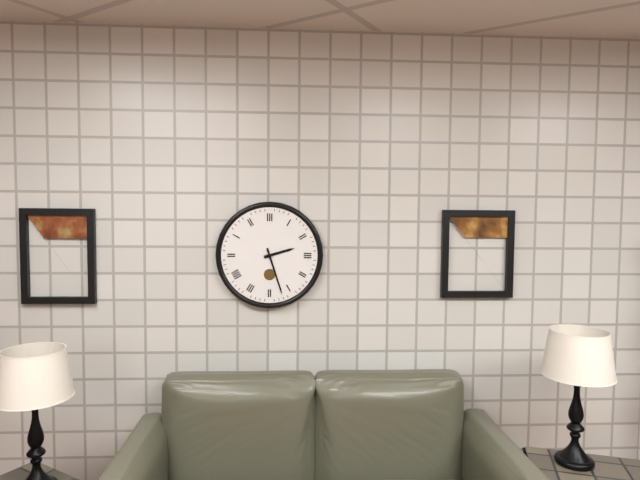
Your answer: 2,27
